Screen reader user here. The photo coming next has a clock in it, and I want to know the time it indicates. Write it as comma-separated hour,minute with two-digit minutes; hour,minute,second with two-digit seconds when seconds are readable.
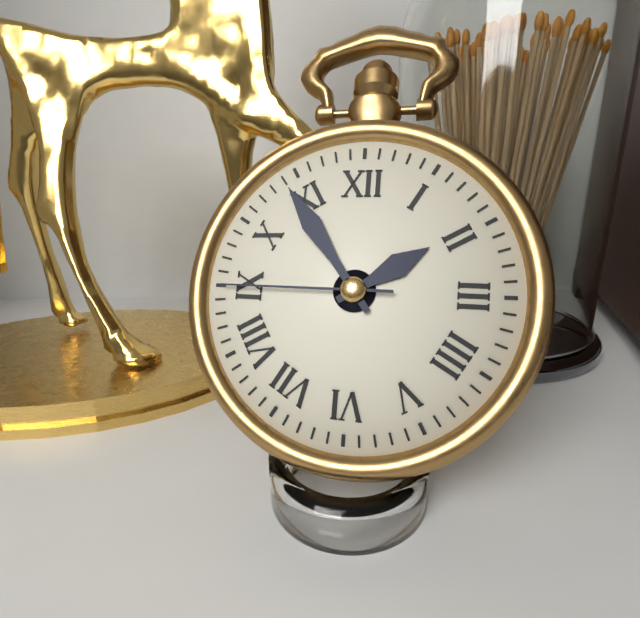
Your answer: 1,54,45
